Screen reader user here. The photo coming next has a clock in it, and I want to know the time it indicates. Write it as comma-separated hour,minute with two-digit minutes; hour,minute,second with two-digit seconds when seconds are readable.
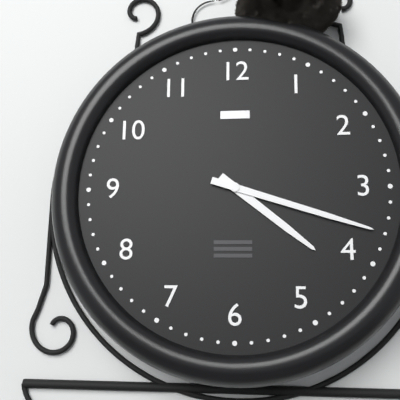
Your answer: 4,18
